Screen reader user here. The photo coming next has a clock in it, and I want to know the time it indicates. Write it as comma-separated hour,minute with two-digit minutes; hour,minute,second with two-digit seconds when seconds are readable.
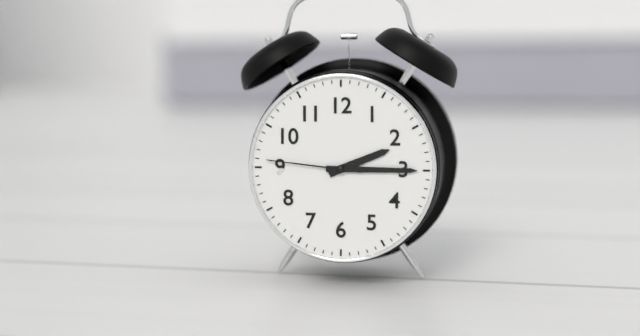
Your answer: 2,15,46
